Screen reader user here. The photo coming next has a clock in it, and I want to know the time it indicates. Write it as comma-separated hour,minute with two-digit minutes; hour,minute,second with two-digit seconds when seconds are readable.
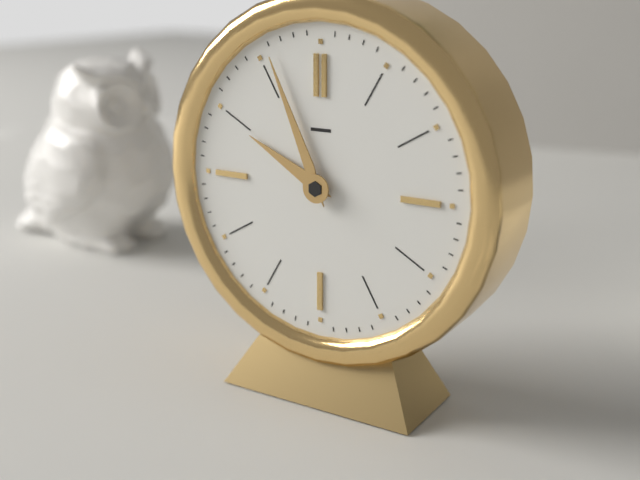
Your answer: 9,56
